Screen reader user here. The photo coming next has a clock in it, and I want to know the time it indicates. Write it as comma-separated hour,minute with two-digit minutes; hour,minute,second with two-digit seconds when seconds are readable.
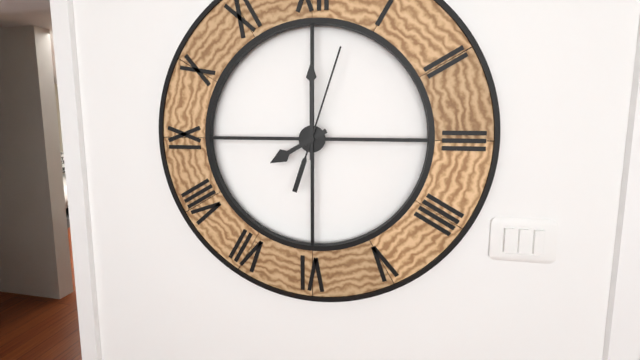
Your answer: 8,00,03
